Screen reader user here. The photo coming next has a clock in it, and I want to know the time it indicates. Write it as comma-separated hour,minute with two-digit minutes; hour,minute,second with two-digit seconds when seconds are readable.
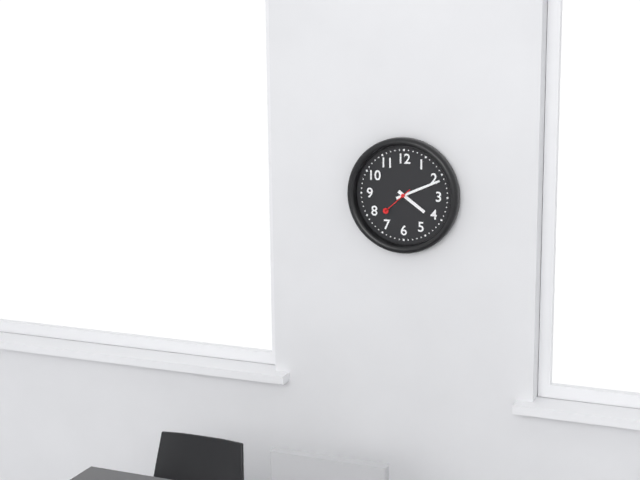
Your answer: 4,11
